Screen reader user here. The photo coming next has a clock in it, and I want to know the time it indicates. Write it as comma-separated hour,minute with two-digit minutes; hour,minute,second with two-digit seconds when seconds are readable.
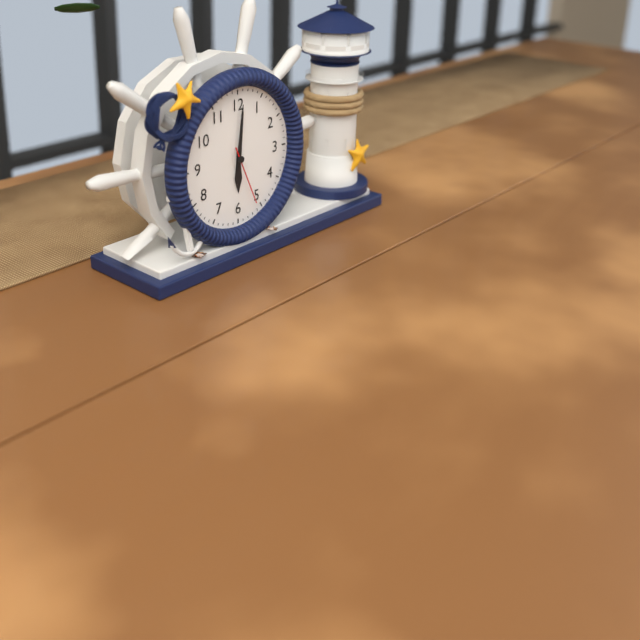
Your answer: 6,01,26
